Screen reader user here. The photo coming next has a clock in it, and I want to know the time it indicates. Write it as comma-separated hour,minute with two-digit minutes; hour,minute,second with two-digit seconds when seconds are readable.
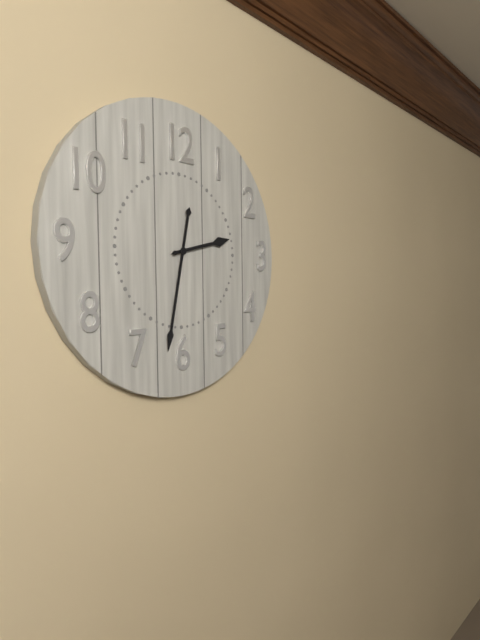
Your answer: 2,32
